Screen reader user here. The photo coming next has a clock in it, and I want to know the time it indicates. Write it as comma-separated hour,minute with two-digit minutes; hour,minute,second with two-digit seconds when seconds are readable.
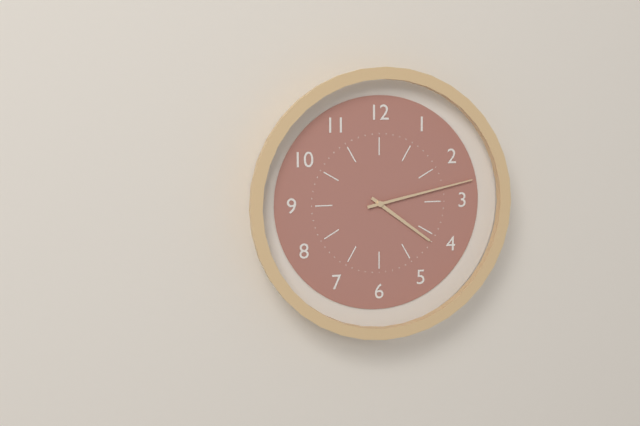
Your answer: 4,13
